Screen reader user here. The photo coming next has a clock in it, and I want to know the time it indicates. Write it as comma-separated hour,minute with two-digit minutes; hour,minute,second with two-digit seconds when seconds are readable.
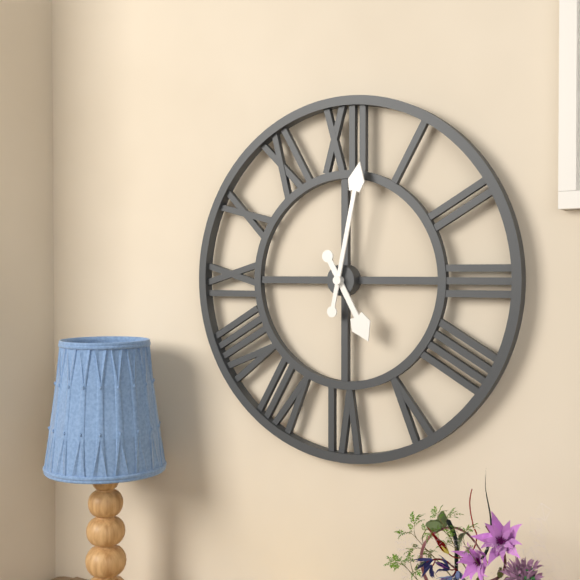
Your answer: 5,02
